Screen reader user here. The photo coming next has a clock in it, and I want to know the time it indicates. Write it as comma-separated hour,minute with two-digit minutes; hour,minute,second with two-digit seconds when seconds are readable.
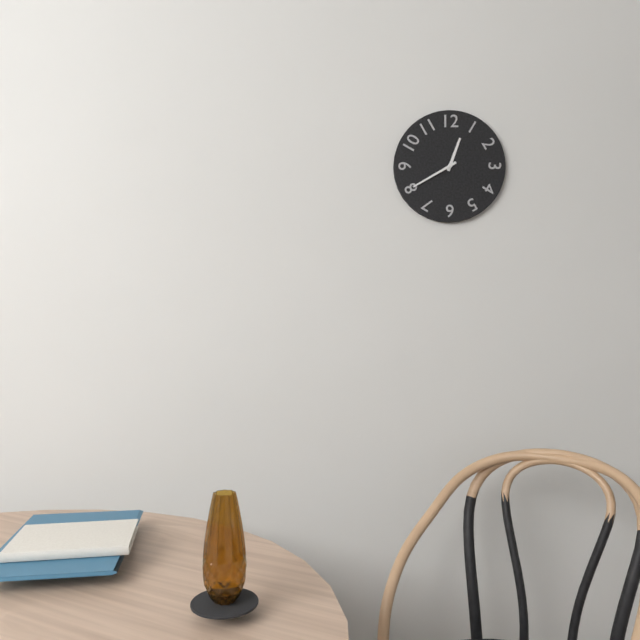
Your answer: 12,40
